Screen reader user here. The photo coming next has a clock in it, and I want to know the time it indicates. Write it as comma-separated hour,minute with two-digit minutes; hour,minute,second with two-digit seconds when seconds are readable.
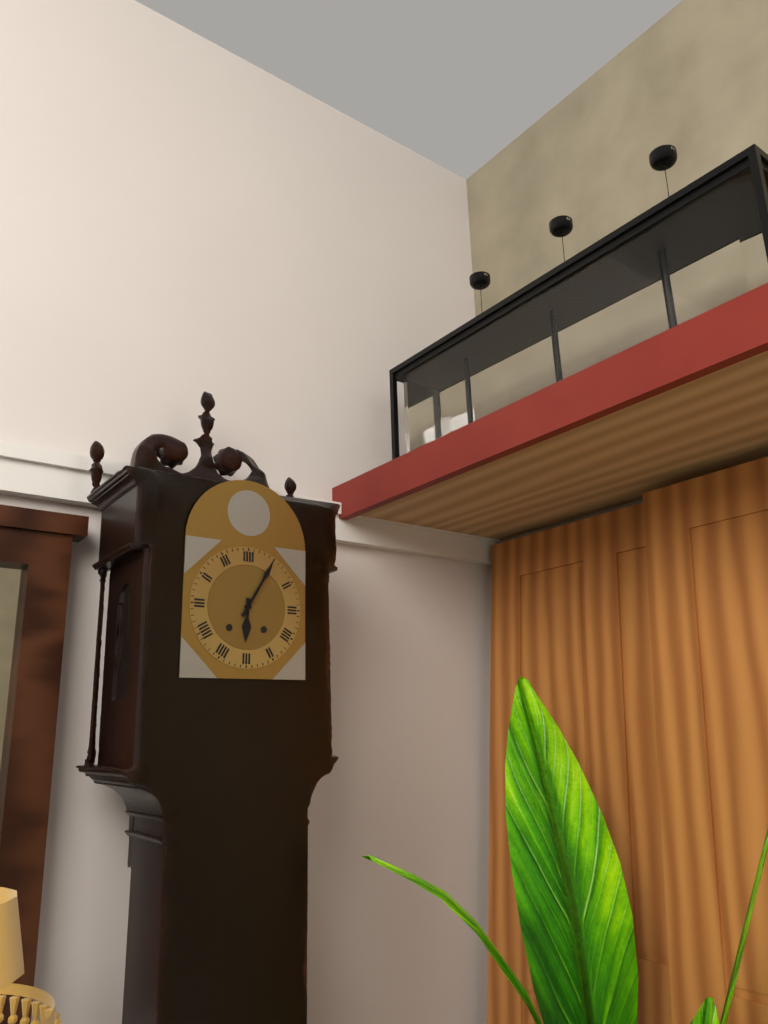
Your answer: 6,05
